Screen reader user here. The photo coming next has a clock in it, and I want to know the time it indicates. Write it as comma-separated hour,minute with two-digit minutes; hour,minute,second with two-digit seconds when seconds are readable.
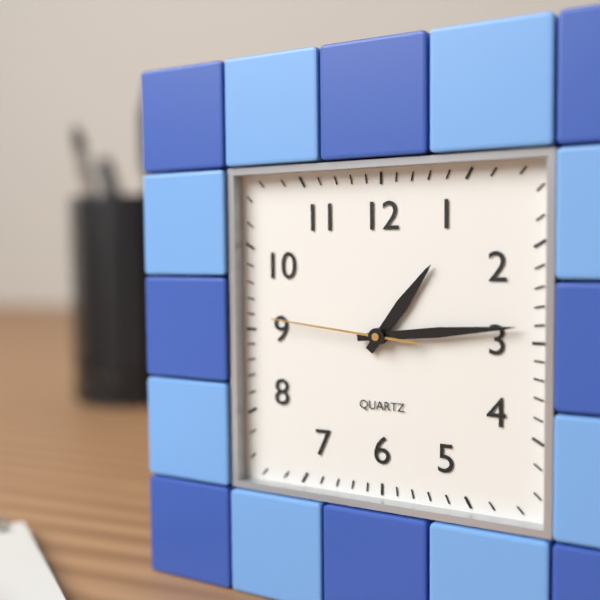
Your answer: 1,14,46
